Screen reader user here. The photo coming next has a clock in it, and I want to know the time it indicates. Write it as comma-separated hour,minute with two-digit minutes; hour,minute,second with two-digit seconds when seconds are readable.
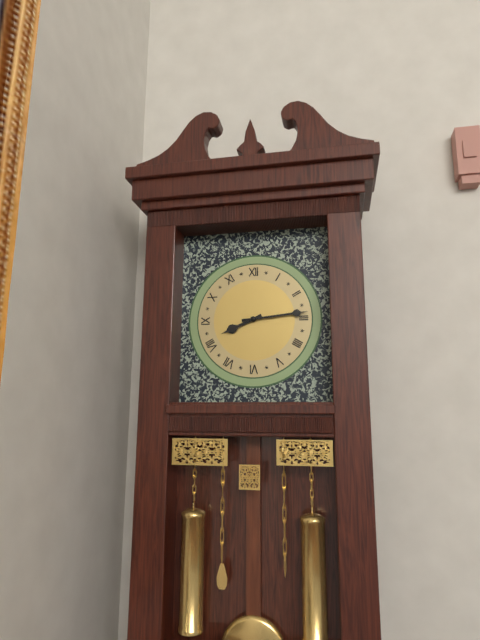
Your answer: 8,14
